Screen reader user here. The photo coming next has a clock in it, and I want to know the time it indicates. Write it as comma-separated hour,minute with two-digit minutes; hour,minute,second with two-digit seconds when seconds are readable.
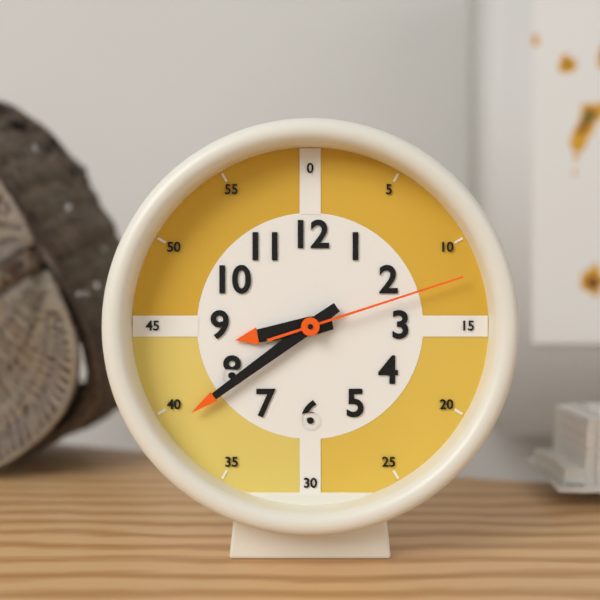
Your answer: 8,39,12
